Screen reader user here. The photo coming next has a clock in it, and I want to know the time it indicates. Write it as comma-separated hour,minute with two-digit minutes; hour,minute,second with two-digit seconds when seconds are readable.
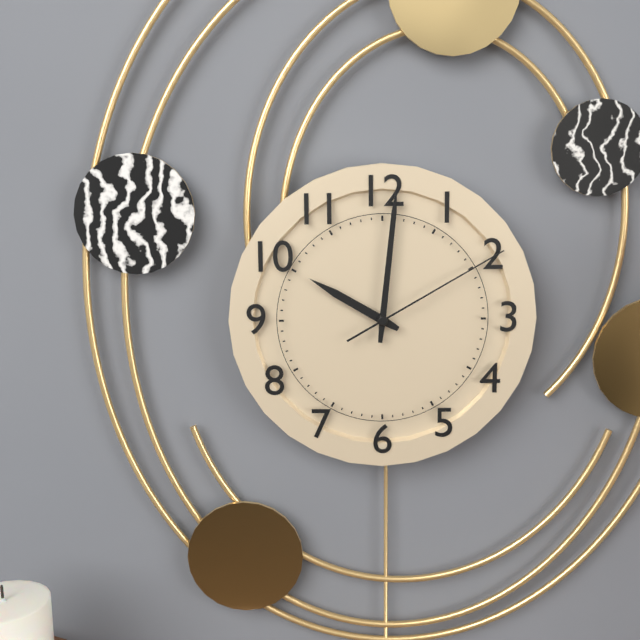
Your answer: 10,01,10
